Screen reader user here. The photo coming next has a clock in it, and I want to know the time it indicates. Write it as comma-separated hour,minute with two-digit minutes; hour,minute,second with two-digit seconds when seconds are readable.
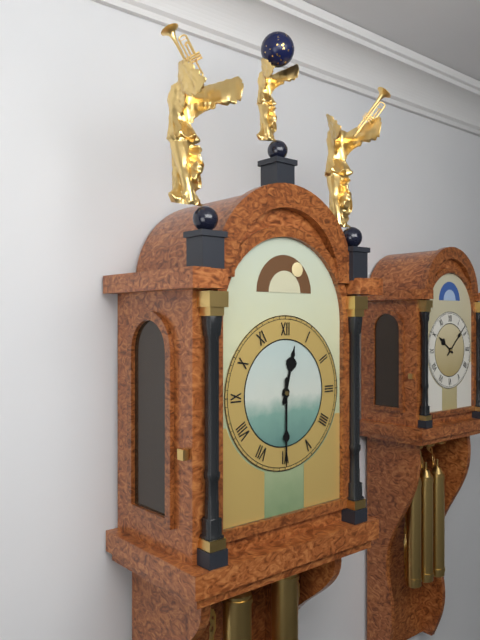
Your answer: 12,30
